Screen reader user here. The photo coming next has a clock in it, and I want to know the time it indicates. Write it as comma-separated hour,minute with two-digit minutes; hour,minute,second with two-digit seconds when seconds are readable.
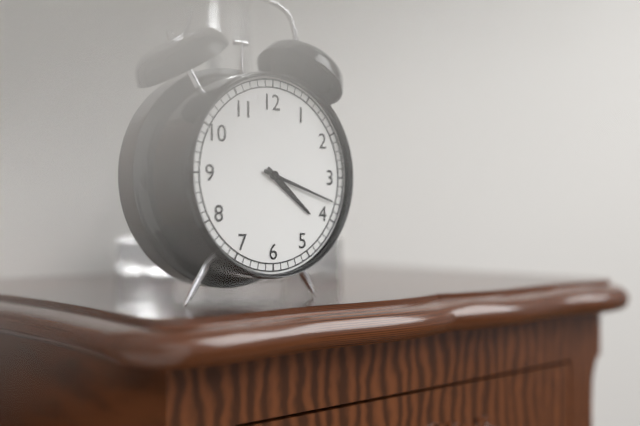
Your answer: 4,18
